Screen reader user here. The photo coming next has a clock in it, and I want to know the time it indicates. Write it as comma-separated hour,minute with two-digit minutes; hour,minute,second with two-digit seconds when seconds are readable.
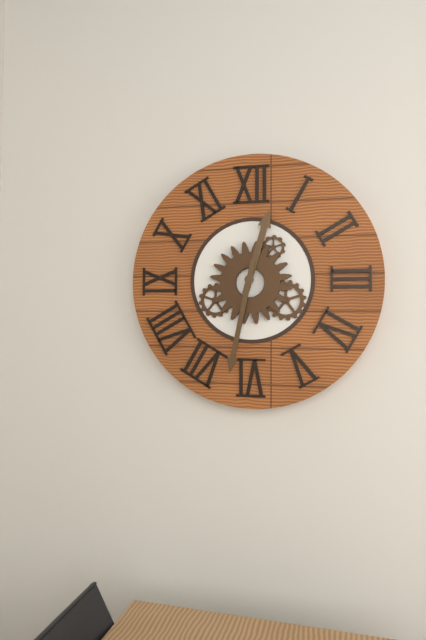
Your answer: 12,32
